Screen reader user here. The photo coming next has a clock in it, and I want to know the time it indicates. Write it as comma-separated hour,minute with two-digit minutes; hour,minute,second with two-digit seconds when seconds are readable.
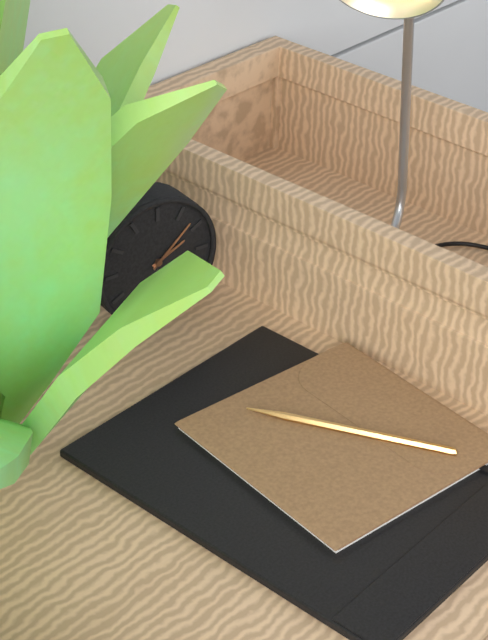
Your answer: 2,08
